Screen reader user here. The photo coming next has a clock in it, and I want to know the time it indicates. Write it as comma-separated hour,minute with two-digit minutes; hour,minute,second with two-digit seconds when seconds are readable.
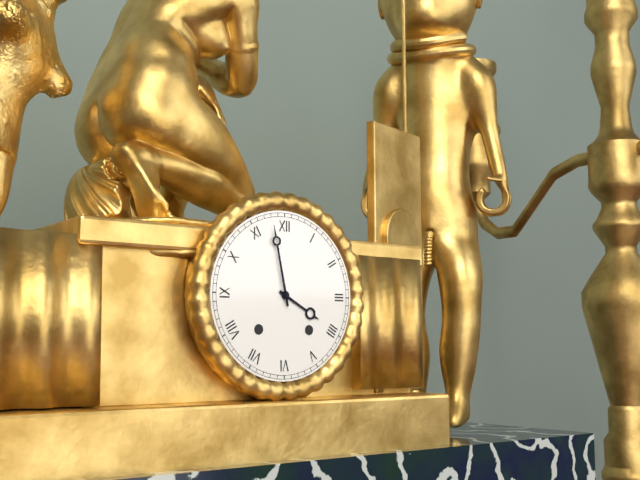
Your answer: 3,58
